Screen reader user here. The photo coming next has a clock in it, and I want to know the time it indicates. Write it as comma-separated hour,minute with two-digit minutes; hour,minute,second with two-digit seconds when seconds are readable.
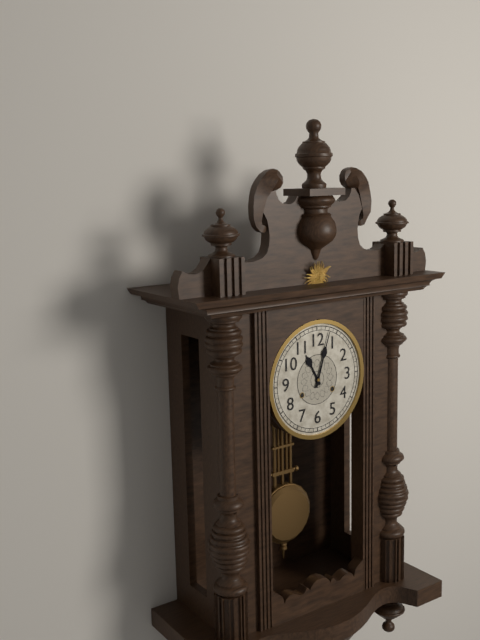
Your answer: 11,03
